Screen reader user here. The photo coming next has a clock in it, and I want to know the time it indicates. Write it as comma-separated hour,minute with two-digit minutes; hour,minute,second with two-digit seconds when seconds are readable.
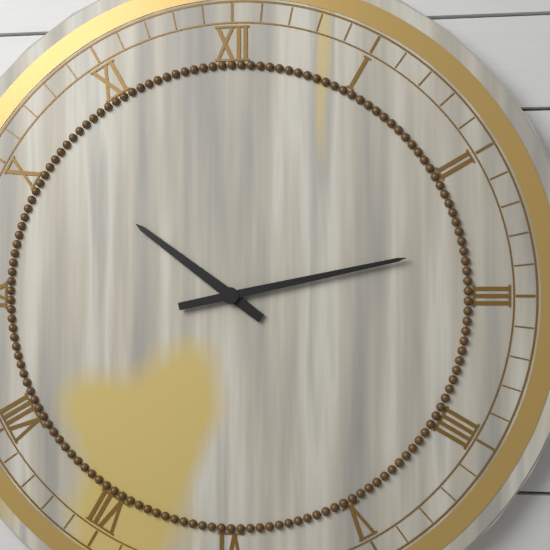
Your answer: 10,13
